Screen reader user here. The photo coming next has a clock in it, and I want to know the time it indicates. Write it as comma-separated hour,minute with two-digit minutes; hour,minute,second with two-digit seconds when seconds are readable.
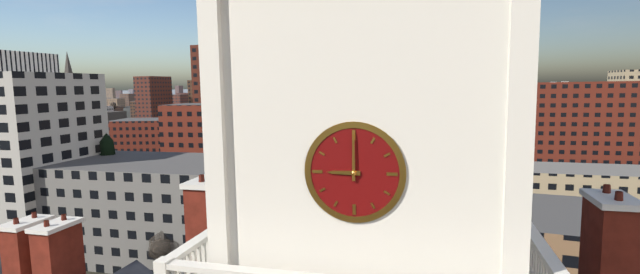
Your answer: 9,00
